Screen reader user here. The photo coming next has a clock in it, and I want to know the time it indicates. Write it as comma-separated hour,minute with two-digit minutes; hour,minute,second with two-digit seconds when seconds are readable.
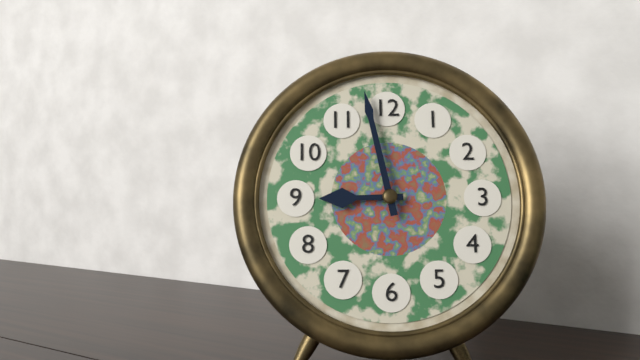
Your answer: 8,58
